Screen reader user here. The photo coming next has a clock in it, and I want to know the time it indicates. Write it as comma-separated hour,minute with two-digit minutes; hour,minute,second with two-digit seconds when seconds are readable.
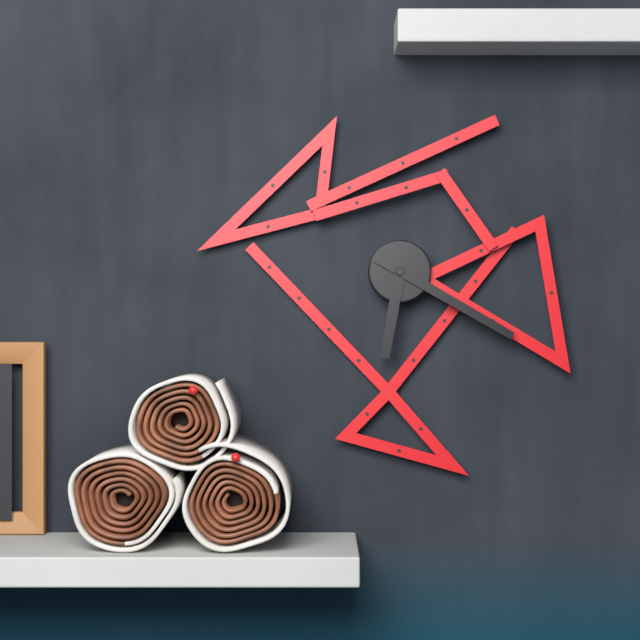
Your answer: 6,20
